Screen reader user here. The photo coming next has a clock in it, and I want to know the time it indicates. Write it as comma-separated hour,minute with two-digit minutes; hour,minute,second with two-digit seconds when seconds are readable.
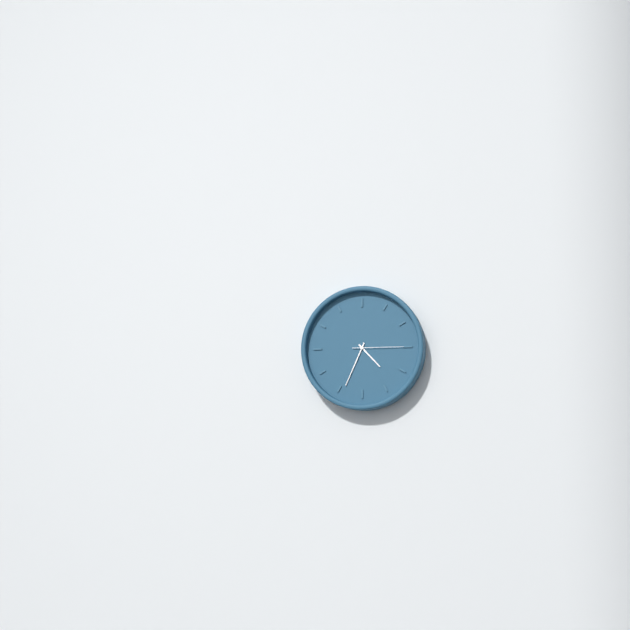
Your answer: 4,34,15
